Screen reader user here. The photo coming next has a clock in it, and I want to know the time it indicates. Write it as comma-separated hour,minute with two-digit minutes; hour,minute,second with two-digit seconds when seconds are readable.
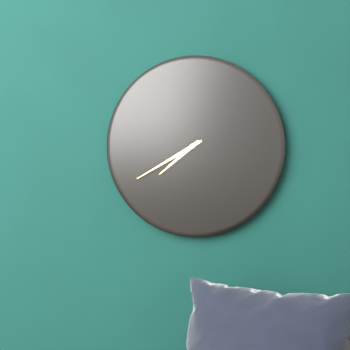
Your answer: 7,40
